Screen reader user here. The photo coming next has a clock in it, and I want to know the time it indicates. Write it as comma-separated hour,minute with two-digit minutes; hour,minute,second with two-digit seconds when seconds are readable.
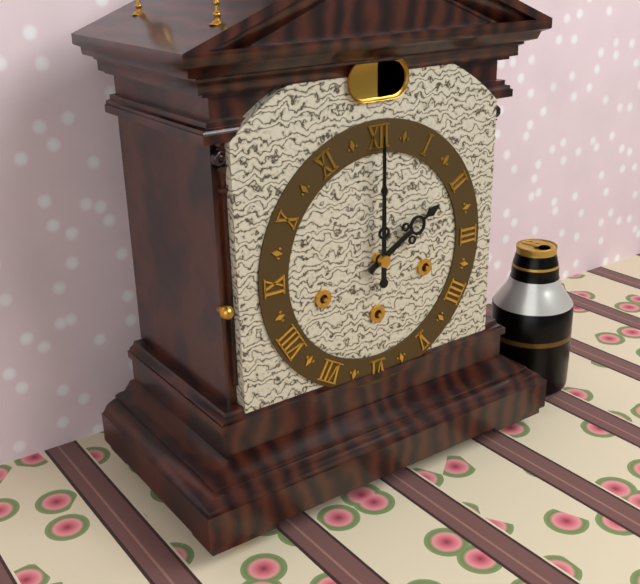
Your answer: 2,00
